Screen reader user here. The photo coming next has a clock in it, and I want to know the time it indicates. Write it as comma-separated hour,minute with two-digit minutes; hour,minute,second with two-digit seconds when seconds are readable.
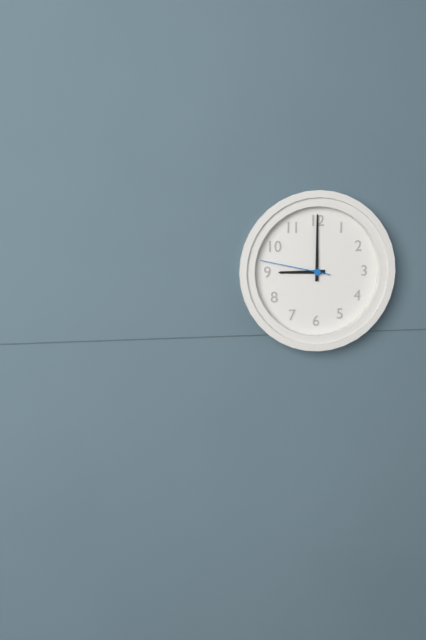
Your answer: 9,00,47
